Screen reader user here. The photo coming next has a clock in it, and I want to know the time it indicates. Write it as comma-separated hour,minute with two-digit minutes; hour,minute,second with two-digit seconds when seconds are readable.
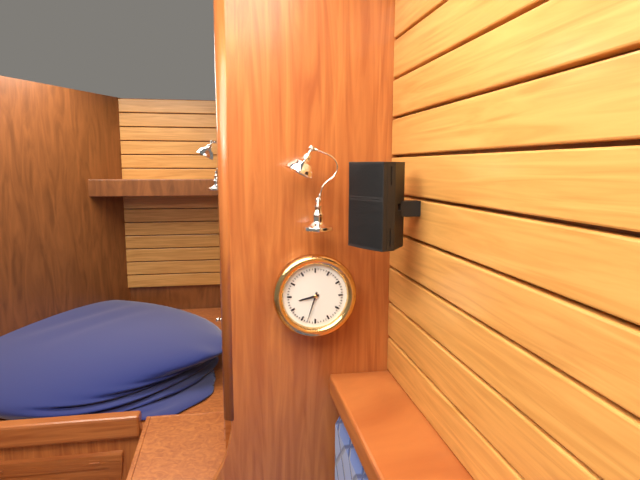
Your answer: 8,33
